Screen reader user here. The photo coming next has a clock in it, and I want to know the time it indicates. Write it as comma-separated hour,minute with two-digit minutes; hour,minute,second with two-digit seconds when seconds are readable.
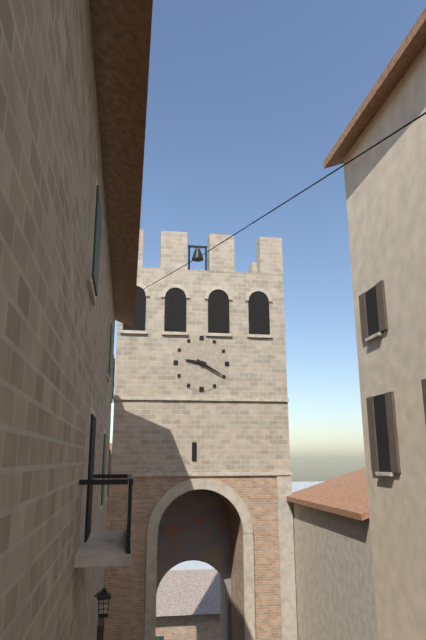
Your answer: 9,20
